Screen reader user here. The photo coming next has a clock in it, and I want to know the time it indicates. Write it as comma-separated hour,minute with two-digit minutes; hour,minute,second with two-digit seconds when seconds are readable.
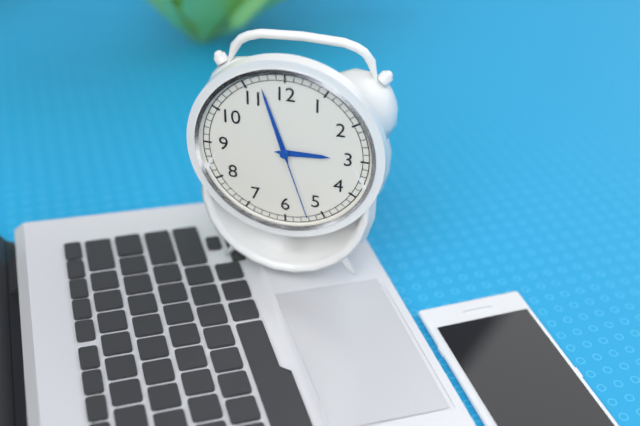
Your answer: 2,57,27
